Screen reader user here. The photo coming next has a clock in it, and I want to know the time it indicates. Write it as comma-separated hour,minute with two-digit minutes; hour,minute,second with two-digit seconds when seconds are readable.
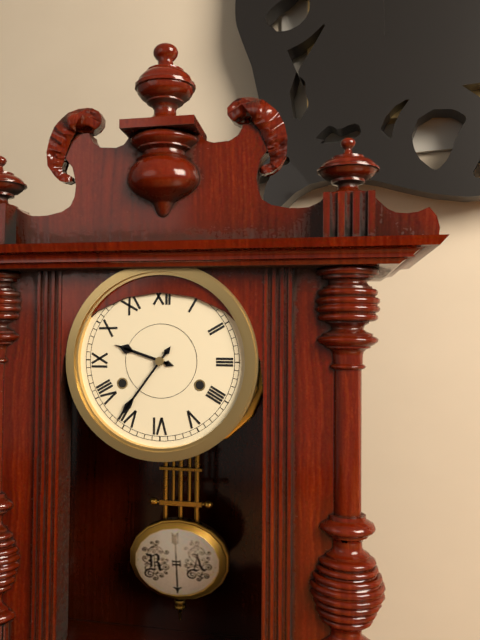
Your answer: 9,36
